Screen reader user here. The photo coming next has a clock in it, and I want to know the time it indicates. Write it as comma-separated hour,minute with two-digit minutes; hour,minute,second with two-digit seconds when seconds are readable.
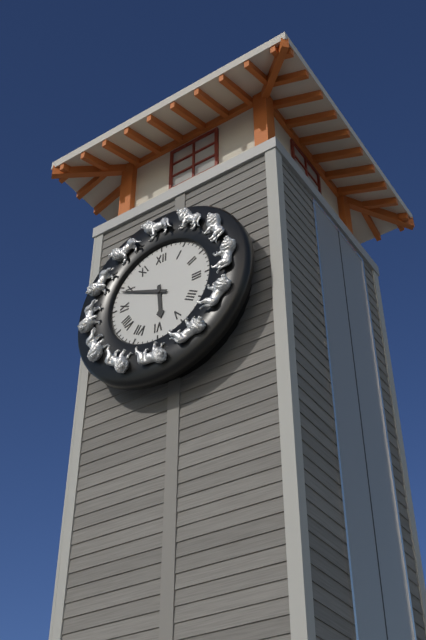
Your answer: 5,49
